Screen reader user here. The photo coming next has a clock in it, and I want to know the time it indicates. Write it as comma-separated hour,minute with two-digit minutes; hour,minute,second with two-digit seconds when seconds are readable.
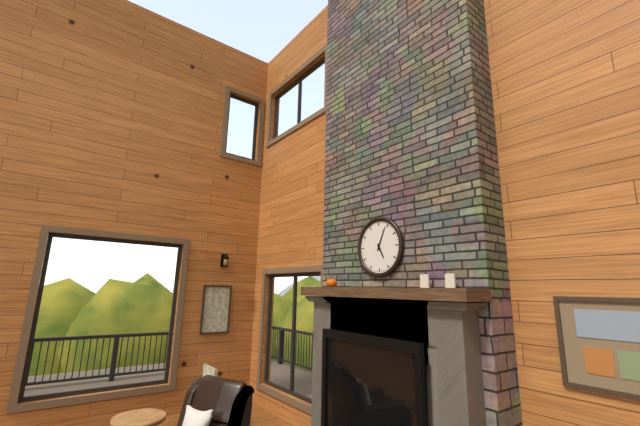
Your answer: 5,04
